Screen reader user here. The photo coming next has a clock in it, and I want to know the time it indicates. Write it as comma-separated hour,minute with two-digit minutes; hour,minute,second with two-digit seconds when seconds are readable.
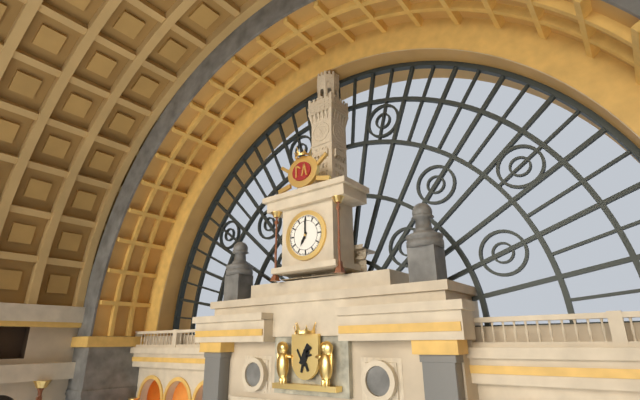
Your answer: 7,00
